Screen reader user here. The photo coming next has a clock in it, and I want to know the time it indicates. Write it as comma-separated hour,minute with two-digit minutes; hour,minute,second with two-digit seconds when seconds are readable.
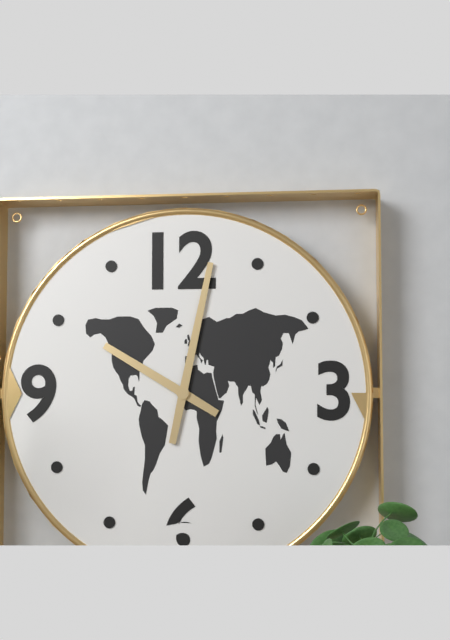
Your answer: 10,02
